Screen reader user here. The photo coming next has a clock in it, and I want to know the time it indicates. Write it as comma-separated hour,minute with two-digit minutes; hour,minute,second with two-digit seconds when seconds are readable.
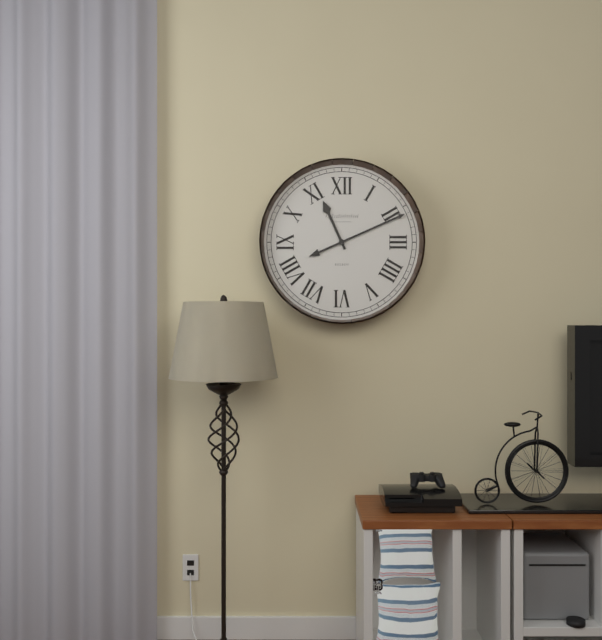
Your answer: 11,11
